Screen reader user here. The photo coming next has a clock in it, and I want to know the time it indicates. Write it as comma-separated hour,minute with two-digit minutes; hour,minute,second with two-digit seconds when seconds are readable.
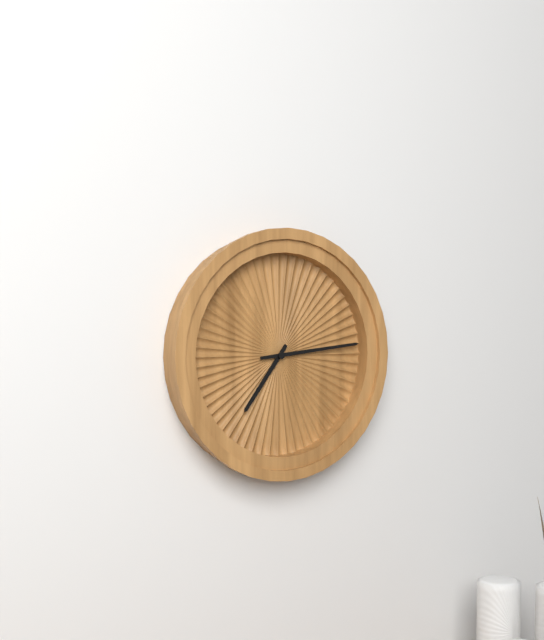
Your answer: 7,14
